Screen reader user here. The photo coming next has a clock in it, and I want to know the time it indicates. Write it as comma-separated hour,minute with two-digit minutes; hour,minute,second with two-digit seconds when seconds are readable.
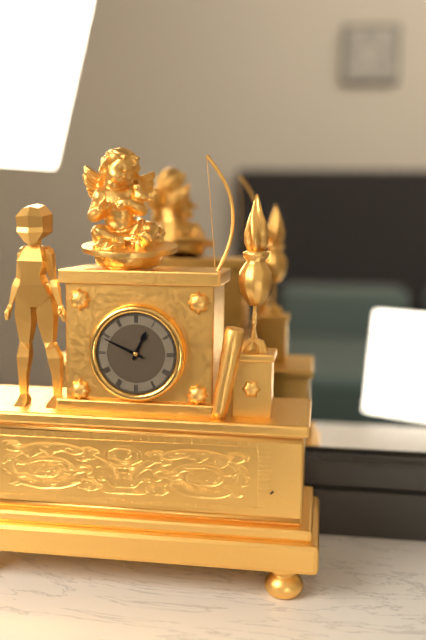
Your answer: 12,49
